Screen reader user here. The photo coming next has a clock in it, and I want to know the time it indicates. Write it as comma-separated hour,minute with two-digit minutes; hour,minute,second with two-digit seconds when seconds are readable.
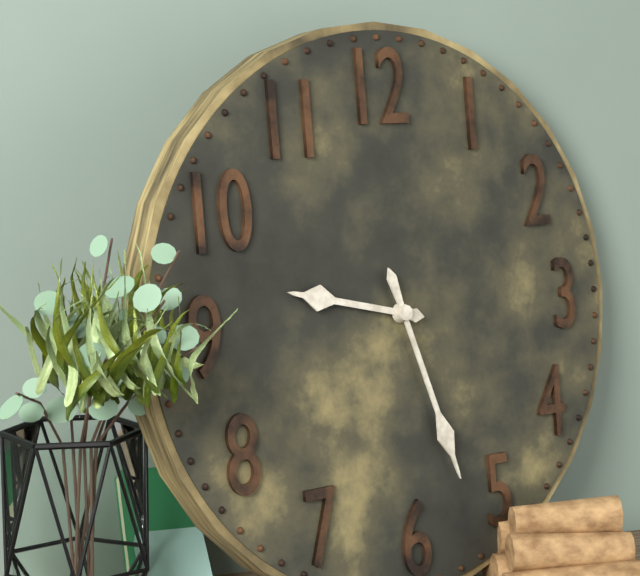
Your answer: 9,27
